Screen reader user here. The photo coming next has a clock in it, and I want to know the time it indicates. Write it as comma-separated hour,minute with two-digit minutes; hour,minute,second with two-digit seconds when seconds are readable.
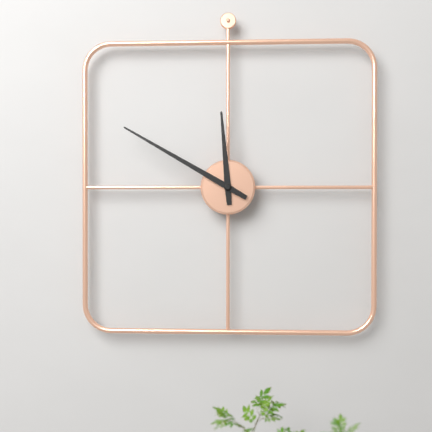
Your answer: 11,50
